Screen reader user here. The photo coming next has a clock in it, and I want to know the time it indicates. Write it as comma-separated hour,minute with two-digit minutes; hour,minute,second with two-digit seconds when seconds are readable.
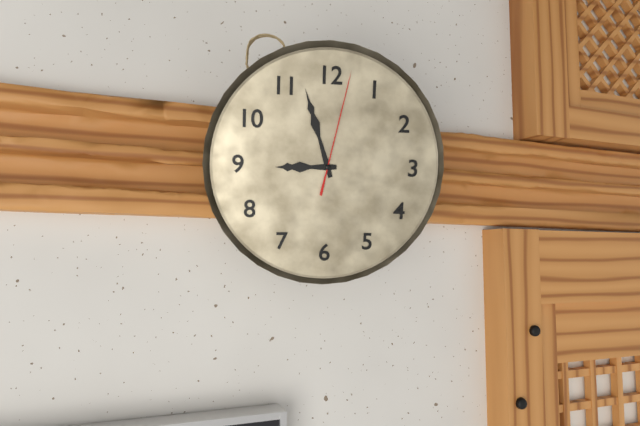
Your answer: 8,57,02
